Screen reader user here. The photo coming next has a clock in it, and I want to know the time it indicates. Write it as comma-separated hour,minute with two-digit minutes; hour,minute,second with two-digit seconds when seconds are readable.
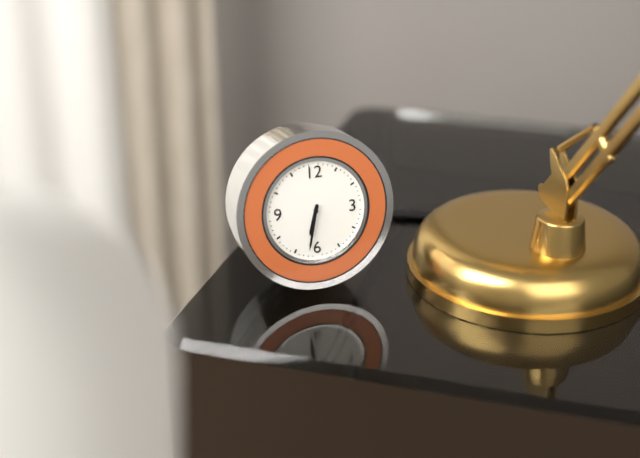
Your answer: 6,32
